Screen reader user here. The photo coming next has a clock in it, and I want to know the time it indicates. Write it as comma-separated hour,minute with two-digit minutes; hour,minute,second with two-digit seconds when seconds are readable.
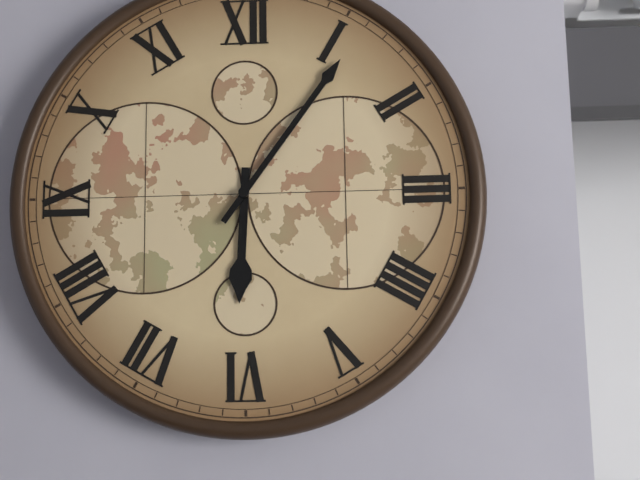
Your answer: 6,06
